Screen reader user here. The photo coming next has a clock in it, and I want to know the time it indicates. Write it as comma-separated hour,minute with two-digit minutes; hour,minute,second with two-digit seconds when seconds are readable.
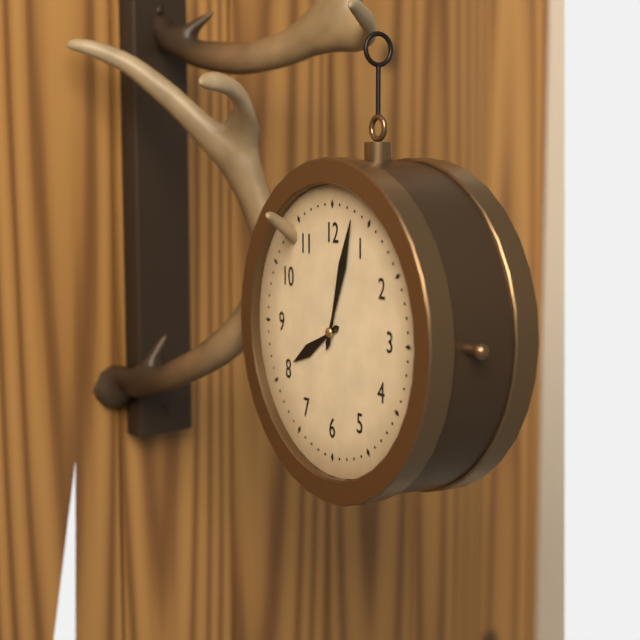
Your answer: 8,03
